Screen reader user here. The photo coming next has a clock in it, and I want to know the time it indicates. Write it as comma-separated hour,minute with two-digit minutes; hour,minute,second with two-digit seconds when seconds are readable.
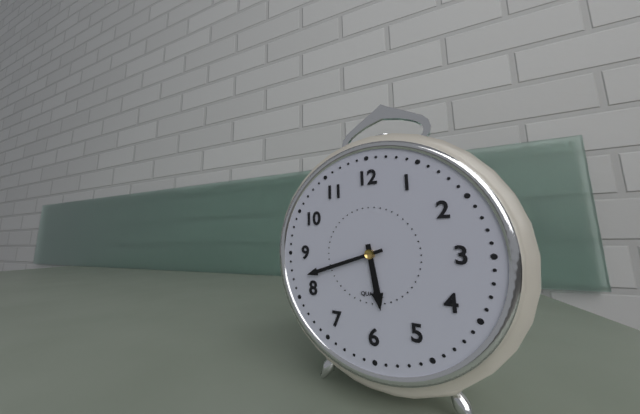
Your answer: 5,42
